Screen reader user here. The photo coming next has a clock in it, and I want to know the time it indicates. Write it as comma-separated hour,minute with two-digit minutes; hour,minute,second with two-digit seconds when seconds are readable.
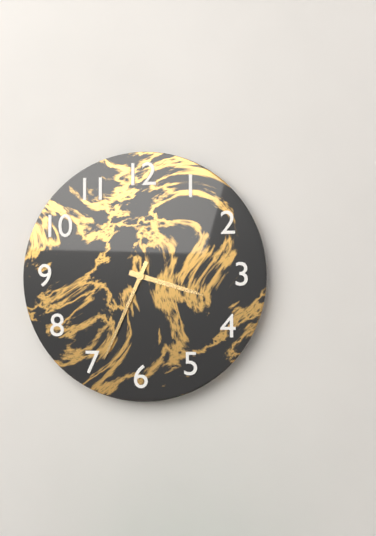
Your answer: 3,34
